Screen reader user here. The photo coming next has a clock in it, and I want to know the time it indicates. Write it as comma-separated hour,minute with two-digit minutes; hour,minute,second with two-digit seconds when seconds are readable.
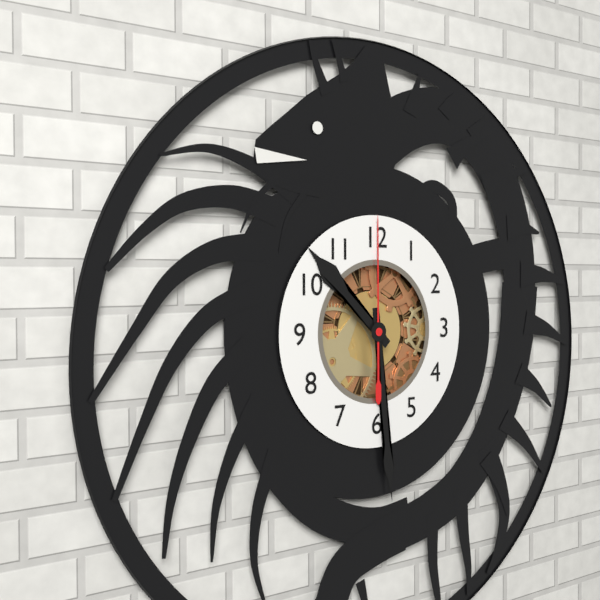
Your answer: 10,29,00
